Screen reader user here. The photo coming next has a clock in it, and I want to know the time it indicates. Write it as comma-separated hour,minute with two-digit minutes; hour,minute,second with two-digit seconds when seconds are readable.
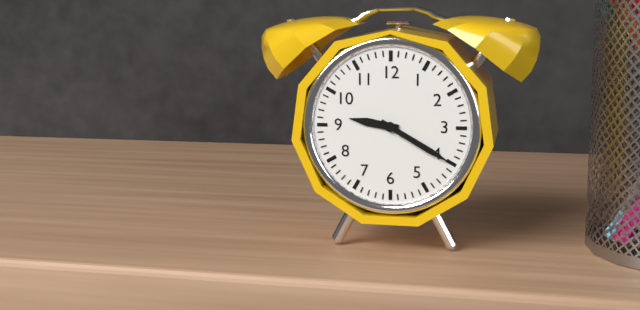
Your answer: 9,20
